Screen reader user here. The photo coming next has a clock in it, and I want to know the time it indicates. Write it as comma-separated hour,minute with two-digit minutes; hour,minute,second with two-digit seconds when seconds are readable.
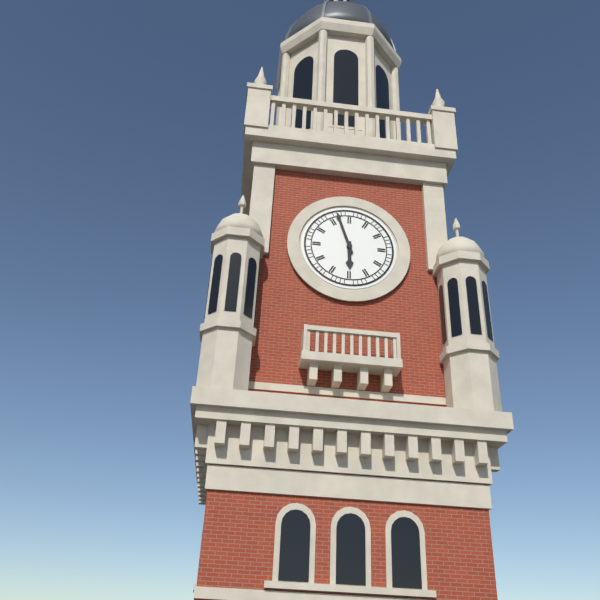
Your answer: 5,57
